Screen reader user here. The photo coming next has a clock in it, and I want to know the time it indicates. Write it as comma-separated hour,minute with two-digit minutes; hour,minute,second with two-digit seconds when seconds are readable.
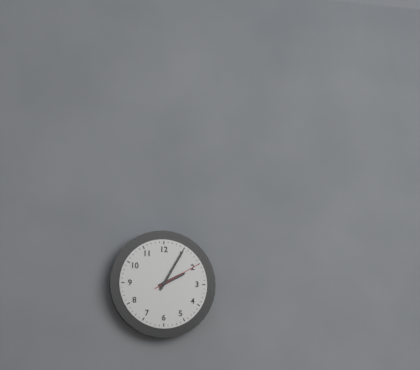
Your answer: 2,05,10
